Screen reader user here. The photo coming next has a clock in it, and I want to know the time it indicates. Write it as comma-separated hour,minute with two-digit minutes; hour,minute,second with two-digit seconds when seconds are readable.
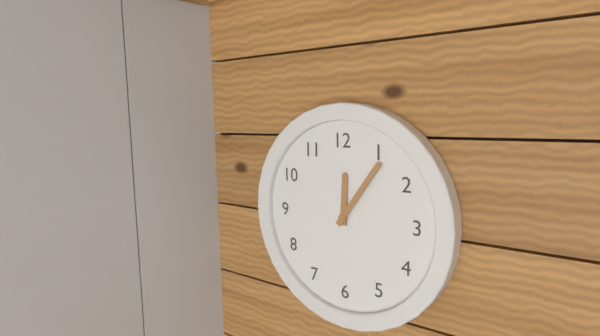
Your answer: 12,06
